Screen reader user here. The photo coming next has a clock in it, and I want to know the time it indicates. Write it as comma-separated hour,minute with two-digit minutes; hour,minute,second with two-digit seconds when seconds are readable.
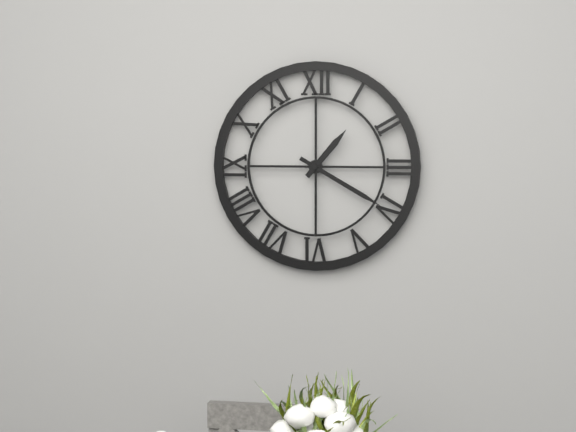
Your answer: 1,20
